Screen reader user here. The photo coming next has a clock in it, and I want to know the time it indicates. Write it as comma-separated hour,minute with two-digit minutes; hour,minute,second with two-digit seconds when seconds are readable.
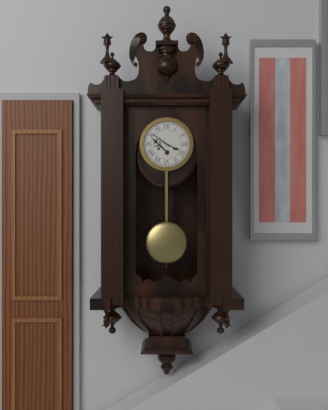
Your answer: 3,51
